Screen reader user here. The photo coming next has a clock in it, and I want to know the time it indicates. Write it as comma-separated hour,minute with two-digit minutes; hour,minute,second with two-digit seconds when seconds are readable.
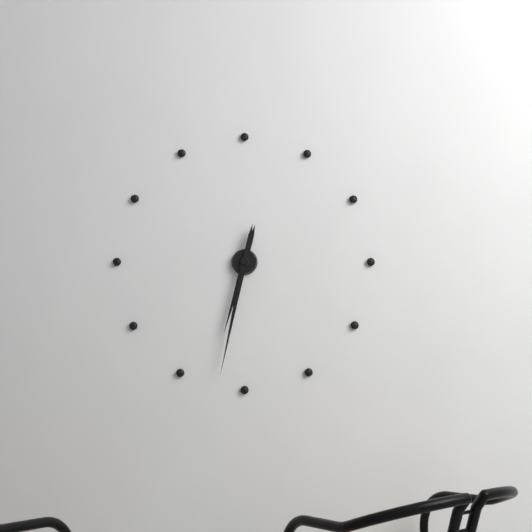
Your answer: 6,32
